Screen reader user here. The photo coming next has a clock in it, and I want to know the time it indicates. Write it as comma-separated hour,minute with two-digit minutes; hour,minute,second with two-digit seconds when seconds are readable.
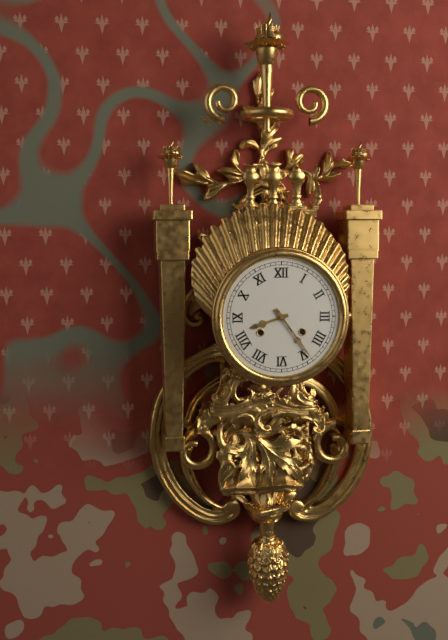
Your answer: 8,24
